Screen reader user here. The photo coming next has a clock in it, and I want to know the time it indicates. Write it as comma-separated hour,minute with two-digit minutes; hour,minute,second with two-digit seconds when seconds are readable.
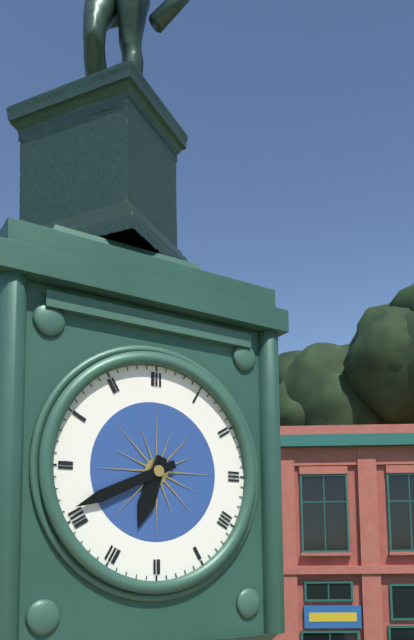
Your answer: 6,41
